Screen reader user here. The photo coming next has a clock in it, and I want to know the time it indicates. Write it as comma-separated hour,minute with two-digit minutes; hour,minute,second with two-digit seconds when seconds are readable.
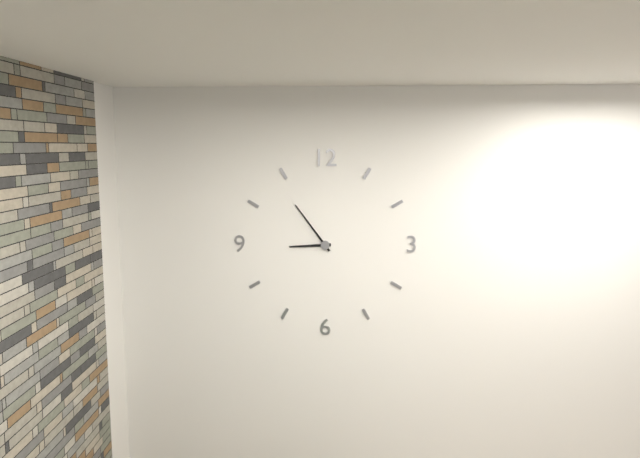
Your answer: 8,54
